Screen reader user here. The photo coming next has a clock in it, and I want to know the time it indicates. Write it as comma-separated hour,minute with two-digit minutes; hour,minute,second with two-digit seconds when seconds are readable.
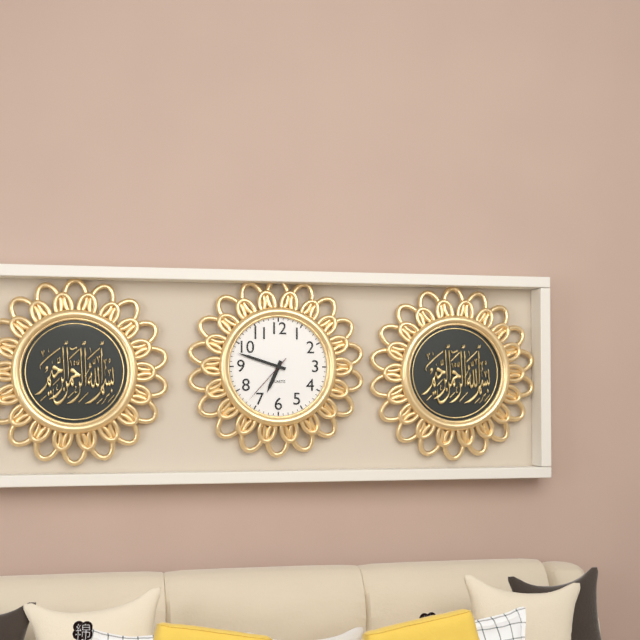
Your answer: 6,48,37
